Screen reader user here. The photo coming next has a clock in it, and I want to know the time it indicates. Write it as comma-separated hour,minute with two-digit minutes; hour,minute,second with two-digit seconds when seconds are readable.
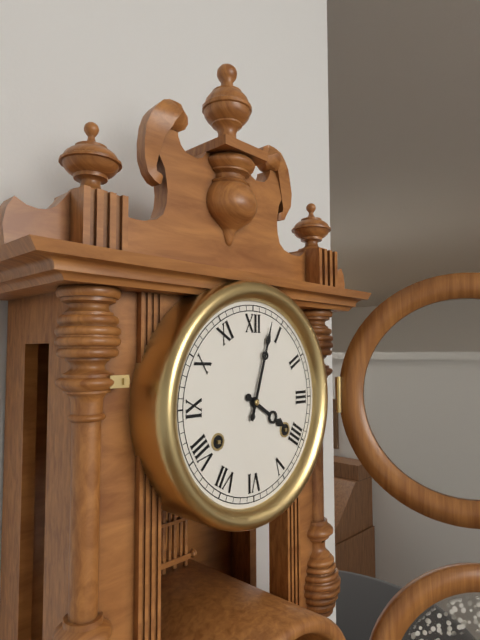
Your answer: 4,03
